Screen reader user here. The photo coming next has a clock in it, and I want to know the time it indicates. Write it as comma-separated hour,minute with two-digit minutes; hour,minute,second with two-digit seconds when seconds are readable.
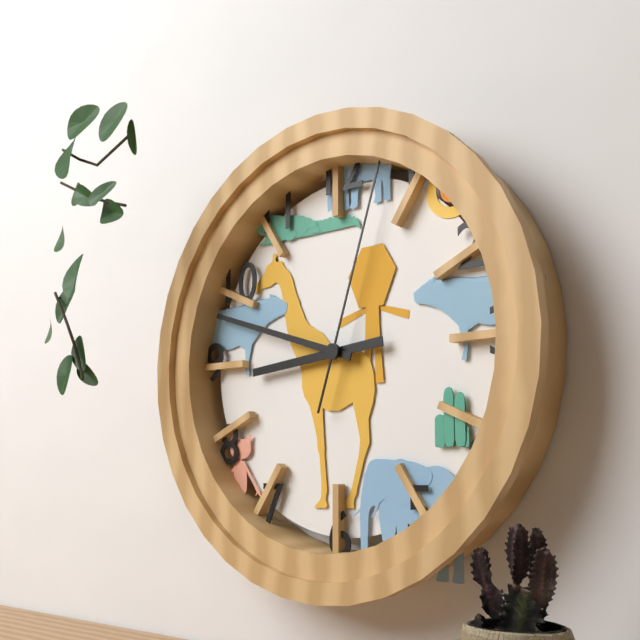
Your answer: 8,48,03
